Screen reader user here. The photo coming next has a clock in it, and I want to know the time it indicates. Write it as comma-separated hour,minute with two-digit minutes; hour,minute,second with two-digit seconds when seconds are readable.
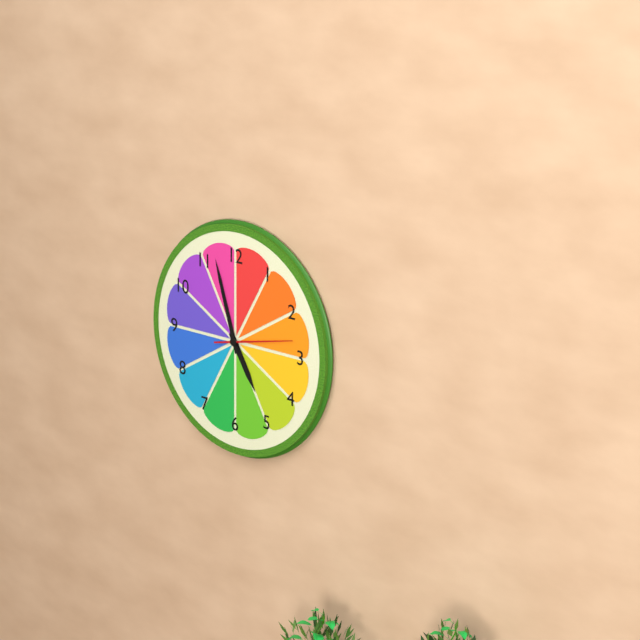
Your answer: 4,57,13
